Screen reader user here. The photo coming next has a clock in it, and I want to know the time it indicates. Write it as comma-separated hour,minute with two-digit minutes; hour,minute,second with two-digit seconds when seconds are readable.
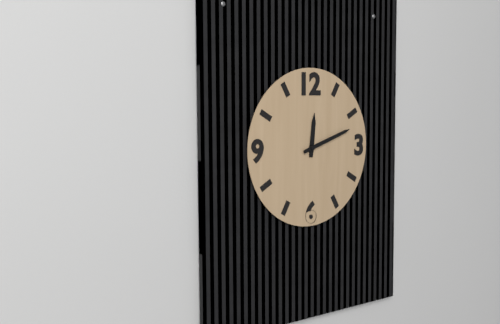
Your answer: 12,12
